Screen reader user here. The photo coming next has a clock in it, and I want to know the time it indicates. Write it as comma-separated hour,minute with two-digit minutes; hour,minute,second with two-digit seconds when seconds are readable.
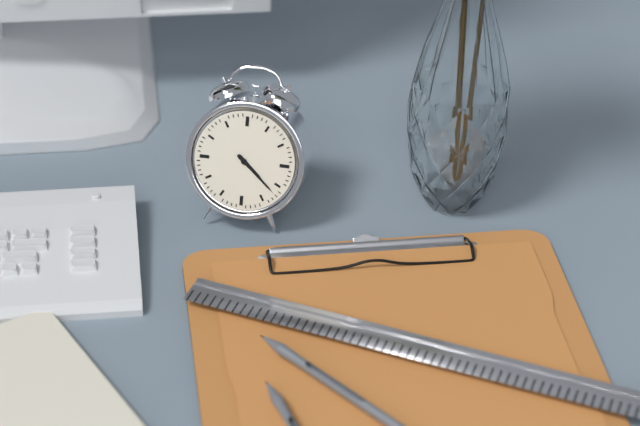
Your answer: 4,22
